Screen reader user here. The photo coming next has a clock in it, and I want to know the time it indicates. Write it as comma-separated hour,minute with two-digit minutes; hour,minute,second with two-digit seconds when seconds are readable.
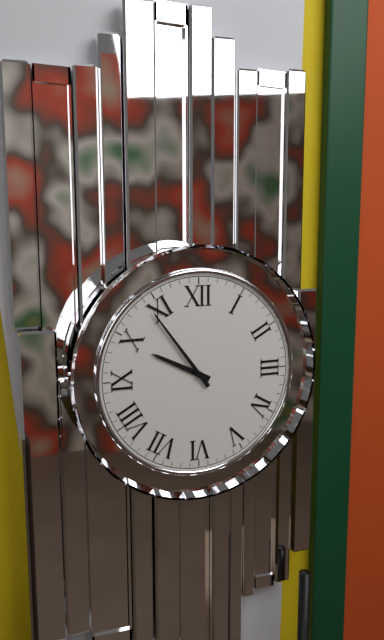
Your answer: 9,54
